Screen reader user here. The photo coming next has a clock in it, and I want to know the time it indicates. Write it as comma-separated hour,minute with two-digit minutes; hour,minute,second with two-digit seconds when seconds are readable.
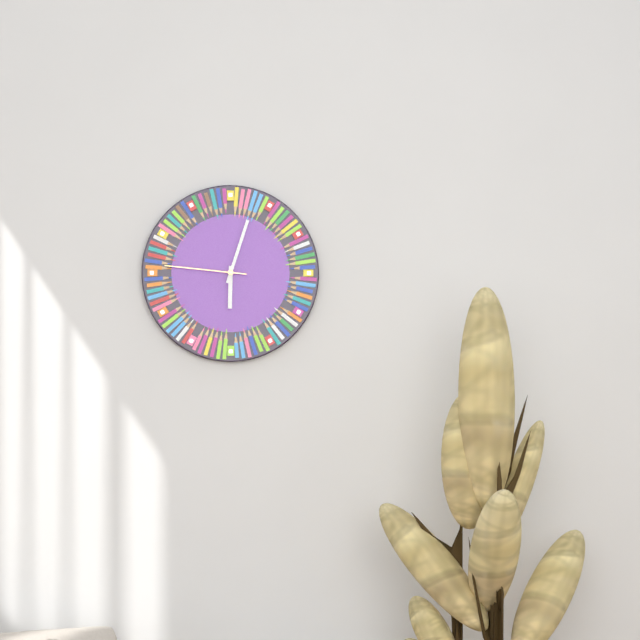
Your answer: 6,03,46
